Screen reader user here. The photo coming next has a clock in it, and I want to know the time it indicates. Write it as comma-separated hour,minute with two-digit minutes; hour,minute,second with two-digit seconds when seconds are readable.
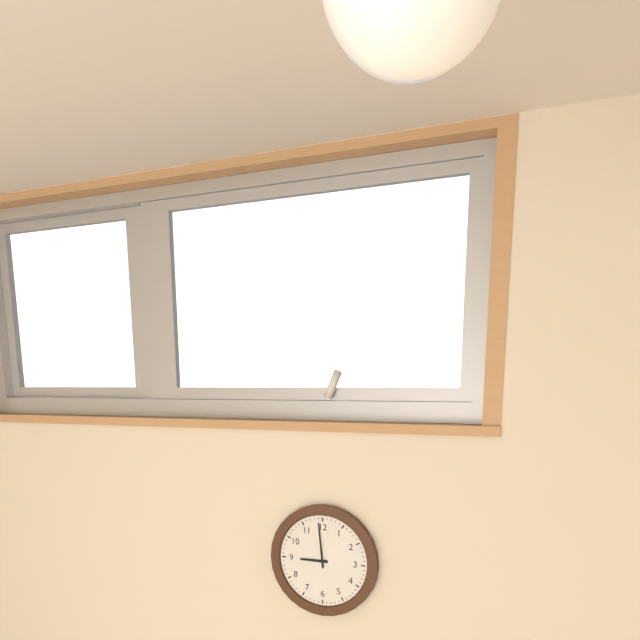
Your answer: 8,59
